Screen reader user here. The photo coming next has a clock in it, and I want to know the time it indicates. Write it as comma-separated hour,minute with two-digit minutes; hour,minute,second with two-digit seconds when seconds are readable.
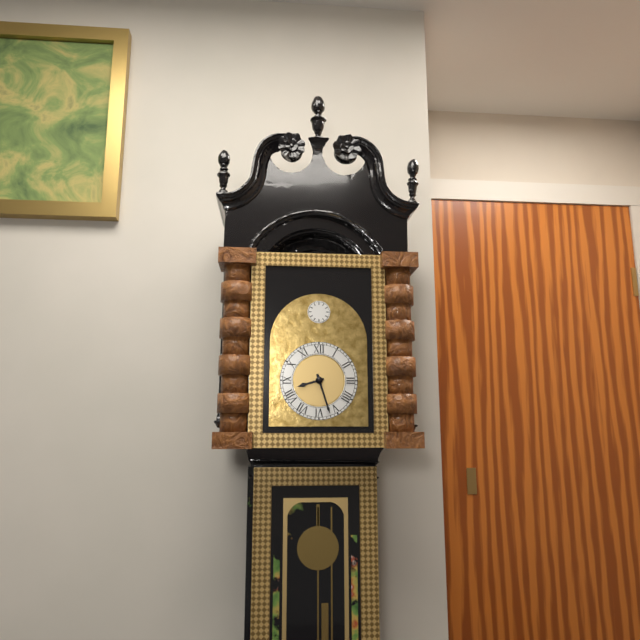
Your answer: 8,27
